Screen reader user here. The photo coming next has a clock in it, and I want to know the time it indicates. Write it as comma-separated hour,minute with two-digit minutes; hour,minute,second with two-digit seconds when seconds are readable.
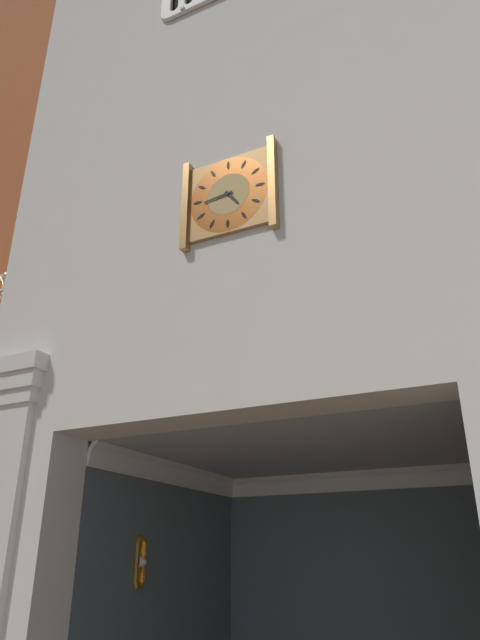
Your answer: 4,44
